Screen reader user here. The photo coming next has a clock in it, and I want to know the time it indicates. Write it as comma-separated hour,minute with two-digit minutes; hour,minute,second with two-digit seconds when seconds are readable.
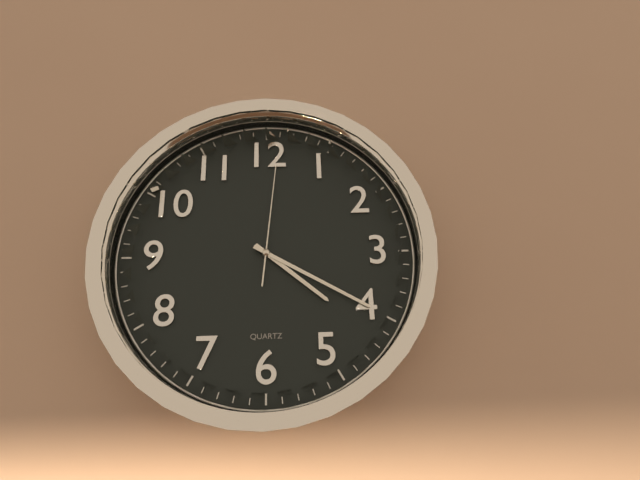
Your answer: 4,20,01
